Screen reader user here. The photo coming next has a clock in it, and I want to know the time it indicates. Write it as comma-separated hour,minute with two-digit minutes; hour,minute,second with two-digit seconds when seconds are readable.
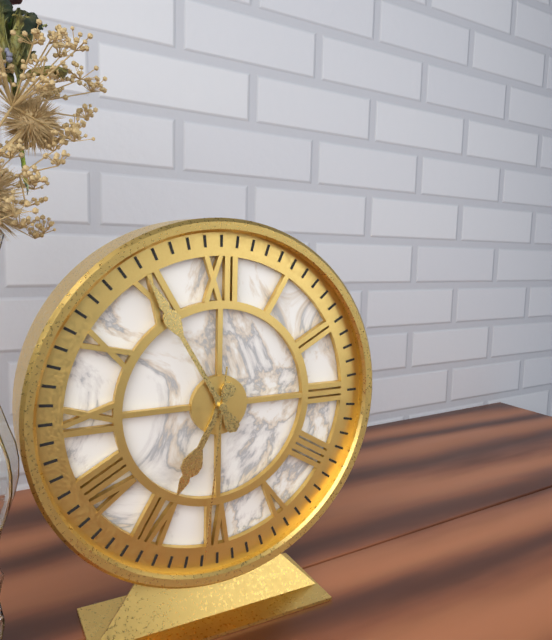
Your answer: 6,55,31
